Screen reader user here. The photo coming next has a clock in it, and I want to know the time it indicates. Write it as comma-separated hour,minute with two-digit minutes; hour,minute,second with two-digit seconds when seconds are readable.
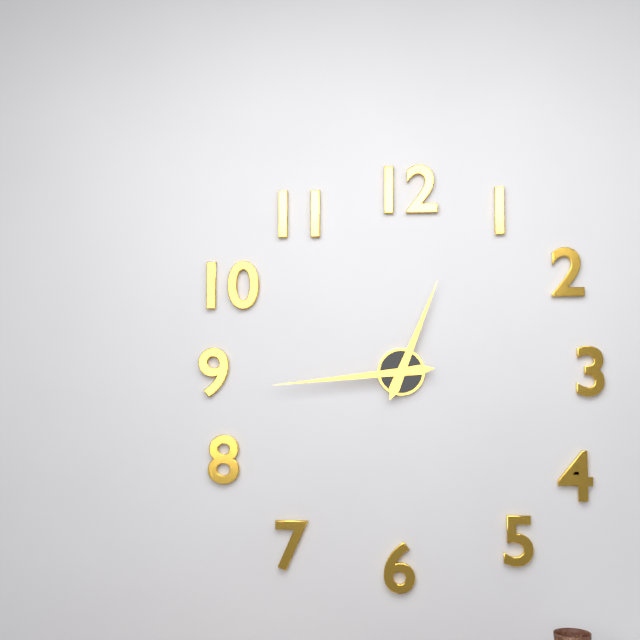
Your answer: 12,44
